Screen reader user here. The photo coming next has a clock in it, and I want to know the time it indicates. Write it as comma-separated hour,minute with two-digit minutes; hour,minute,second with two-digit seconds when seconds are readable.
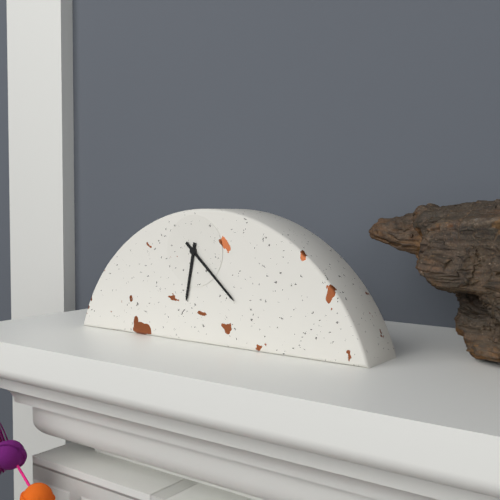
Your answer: 6,22
